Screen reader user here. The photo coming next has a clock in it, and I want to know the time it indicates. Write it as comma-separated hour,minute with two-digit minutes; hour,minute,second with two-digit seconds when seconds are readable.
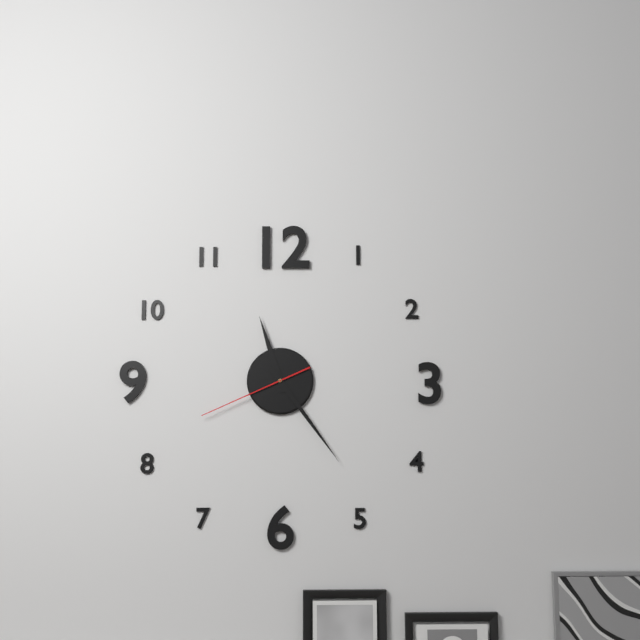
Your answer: 11,24,41
